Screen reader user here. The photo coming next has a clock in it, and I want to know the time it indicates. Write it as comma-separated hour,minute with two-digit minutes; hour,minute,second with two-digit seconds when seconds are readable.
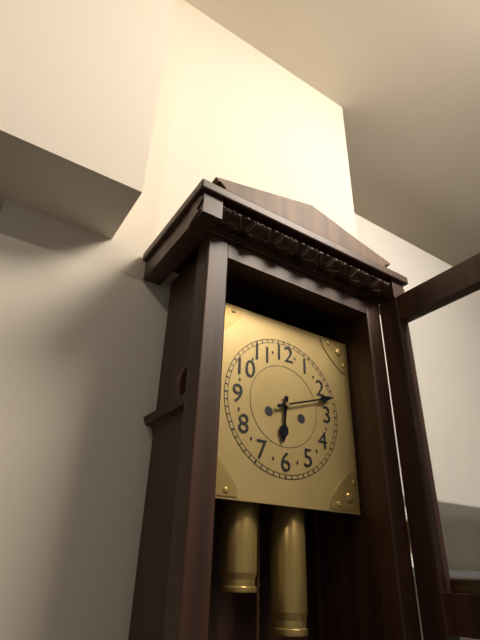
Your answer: 6,12
